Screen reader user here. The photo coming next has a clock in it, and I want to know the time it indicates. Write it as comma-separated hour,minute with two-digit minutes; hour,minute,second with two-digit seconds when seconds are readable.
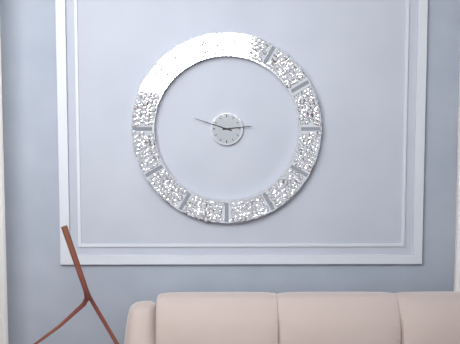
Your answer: 2,48
